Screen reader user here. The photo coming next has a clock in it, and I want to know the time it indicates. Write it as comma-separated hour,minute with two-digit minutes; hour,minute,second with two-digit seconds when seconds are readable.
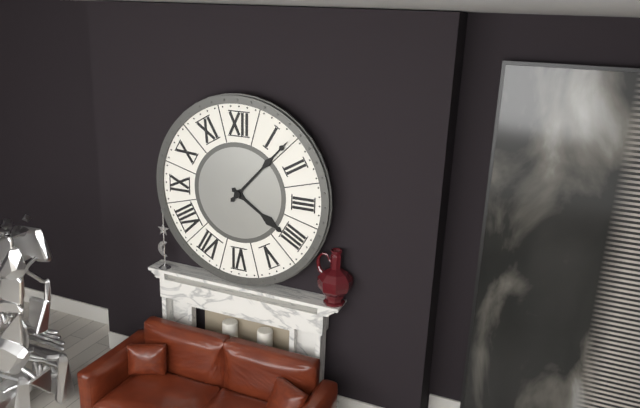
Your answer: 4,07
